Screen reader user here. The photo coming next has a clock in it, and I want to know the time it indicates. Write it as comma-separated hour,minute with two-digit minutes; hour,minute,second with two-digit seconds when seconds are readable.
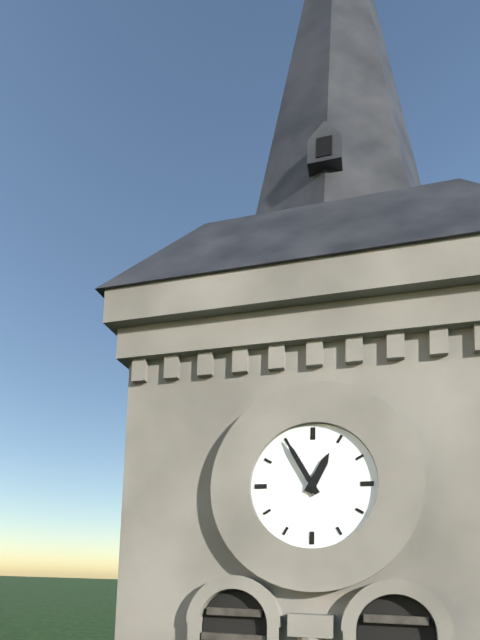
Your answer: 12,55
